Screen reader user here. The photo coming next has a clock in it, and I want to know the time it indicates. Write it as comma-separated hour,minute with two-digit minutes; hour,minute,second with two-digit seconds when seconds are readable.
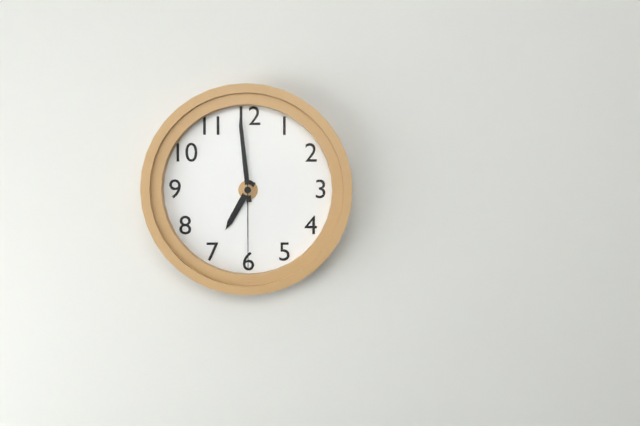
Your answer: 6,59,30
